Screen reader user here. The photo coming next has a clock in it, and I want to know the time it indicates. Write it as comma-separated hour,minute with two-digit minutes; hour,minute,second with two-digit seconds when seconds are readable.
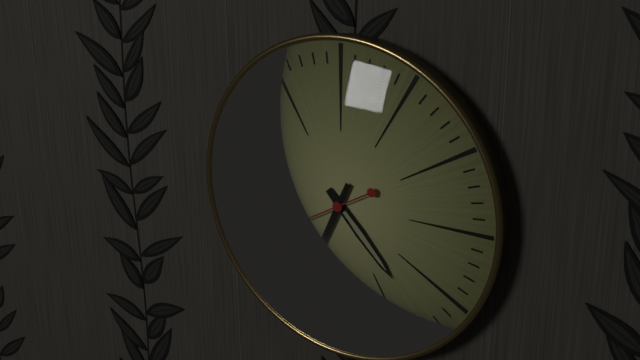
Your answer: 4,34,40
